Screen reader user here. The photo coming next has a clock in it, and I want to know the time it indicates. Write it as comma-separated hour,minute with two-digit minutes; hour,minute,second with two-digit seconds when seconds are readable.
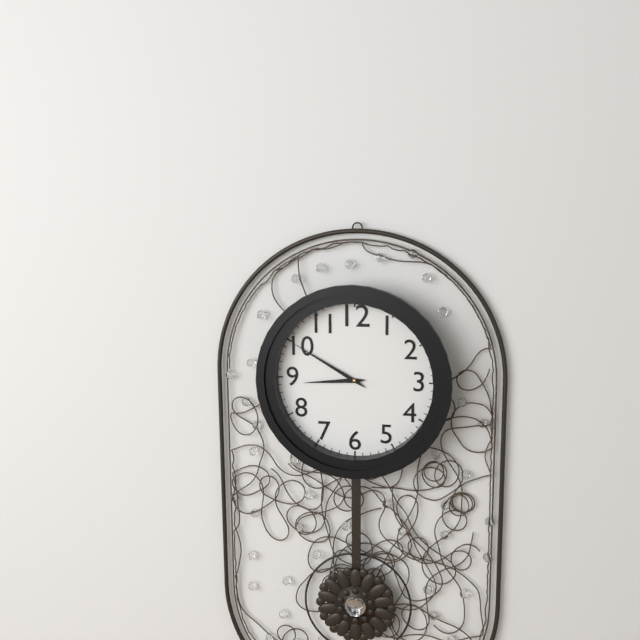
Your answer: 8,50
